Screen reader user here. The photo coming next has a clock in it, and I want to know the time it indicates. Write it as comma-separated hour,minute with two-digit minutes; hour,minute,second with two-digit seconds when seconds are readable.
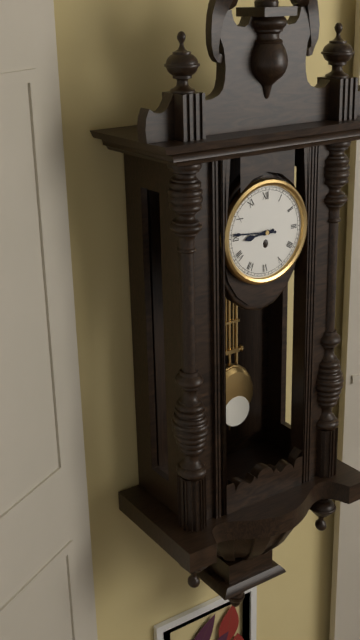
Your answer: 8,46
